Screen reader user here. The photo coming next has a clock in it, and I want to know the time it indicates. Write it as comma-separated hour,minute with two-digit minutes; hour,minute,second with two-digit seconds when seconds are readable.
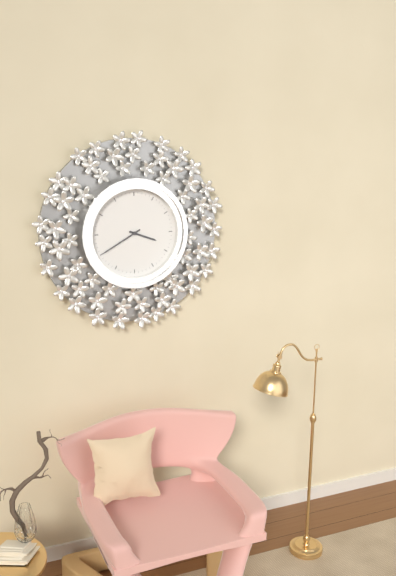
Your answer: 3,40
